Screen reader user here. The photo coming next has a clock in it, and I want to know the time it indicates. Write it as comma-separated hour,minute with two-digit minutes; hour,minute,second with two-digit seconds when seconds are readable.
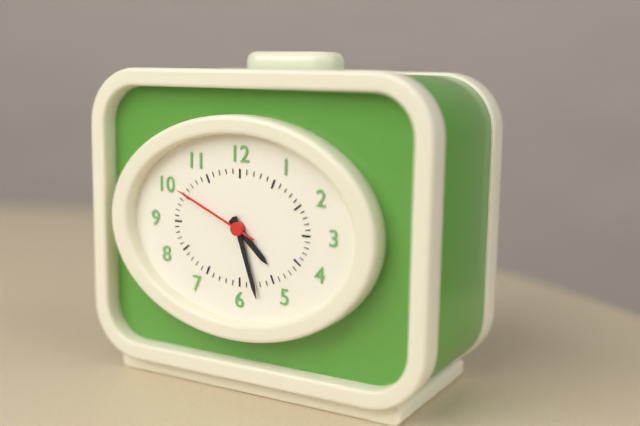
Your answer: 4,27,49
